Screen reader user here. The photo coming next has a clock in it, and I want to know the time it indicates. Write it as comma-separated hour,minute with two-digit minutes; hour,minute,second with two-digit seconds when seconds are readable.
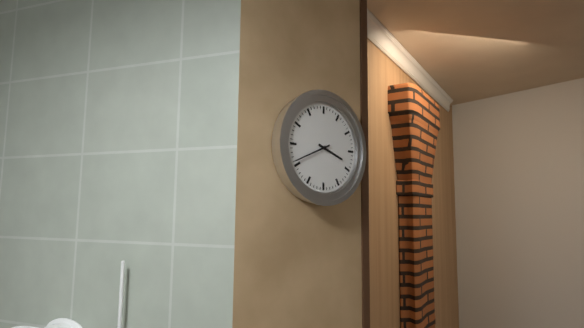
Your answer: 3,41
